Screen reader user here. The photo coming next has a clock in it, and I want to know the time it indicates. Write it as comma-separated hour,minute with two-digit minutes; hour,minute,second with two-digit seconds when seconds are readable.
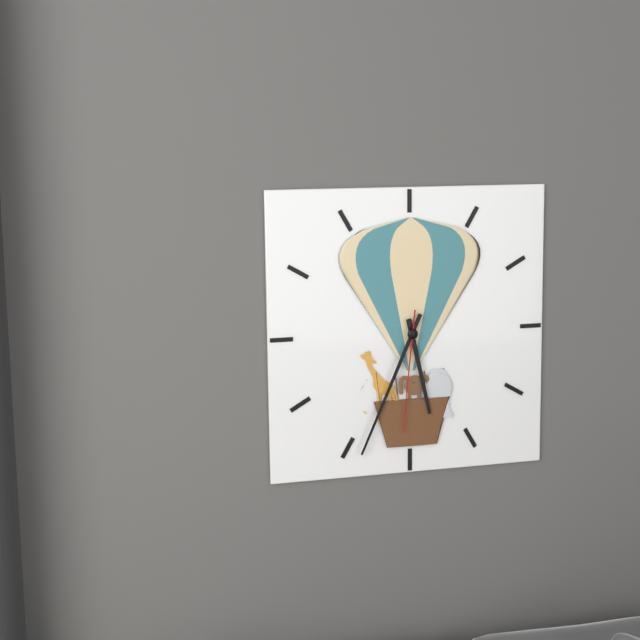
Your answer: 5,34,31
